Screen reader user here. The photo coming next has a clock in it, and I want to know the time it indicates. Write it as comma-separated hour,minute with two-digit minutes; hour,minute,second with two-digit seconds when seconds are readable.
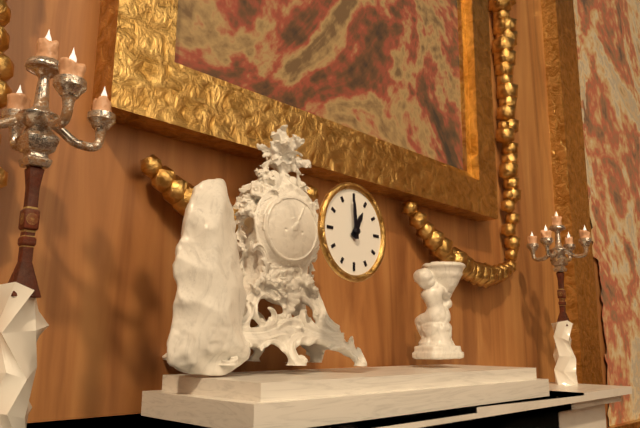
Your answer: 12,59
